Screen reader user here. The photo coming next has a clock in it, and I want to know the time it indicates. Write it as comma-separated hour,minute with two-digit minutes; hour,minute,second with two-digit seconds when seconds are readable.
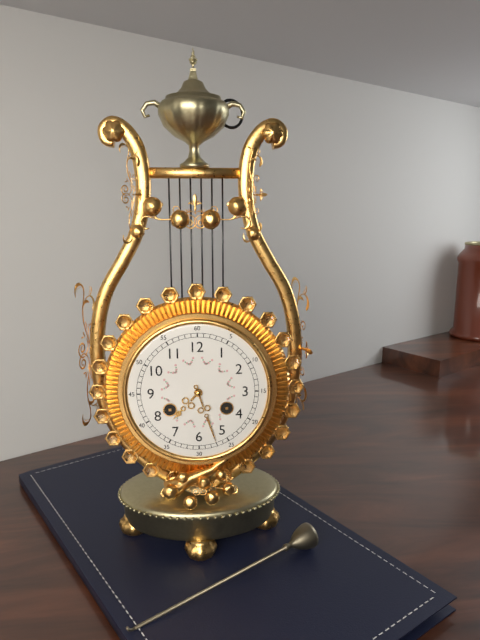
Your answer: 7,27
